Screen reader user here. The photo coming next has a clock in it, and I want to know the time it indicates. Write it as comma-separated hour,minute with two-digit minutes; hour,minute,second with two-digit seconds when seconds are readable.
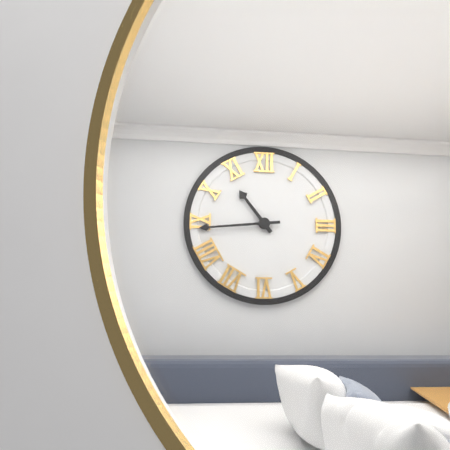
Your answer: 10,44
